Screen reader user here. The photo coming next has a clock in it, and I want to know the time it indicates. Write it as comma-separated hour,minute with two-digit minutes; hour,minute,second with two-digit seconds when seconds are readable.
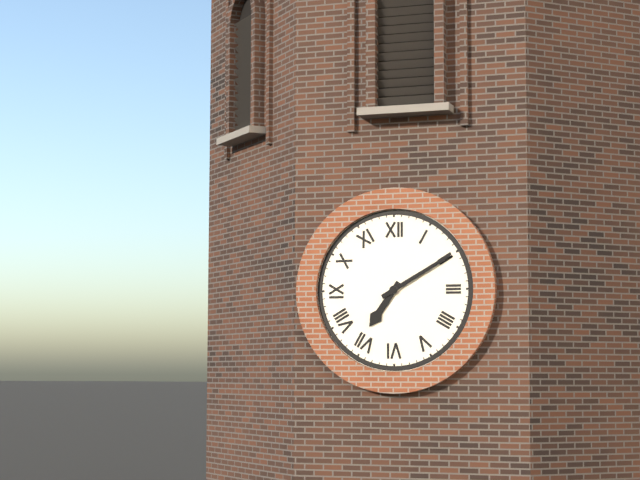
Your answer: 7,10
